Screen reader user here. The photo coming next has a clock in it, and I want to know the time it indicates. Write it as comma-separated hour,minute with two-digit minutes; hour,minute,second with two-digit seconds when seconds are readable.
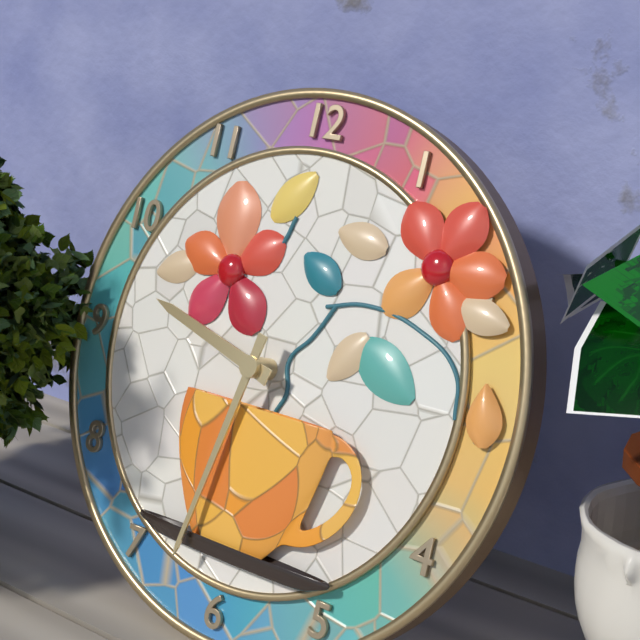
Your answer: 9,32
